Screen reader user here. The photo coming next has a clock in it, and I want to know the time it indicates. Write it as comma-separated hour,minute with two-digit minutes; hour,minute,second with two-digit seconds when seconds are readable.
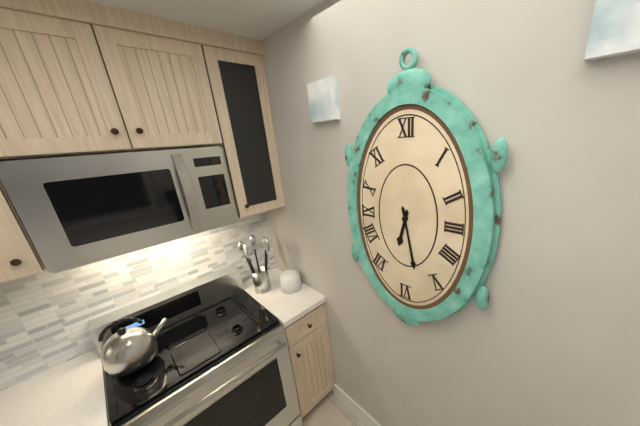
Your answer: 6,28
